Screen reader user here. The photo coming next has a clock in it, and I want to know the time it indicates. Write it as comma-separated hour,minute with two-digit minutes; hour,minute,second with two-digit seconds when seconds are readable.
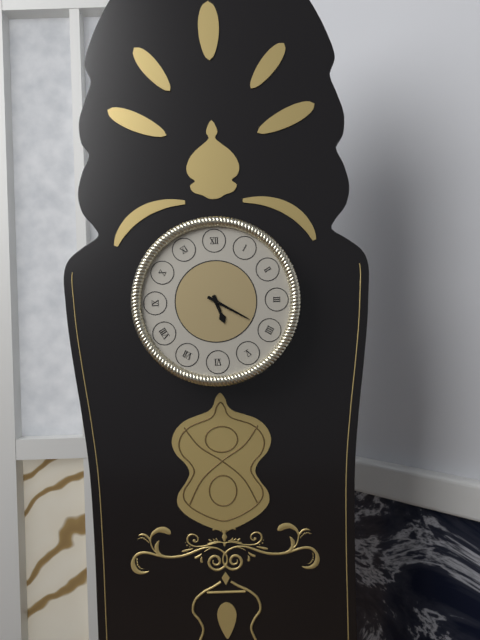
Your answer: 5,20
